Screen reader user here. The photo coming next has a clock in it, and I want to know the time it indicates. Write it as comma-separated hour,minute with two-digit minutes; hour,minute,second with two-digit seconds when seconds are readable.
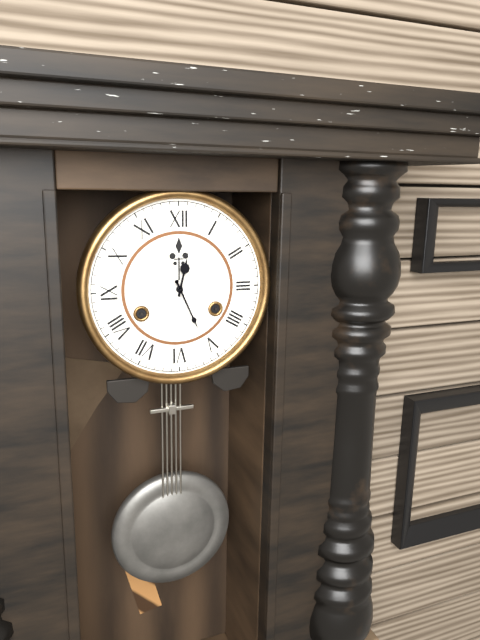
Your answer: 12,26
